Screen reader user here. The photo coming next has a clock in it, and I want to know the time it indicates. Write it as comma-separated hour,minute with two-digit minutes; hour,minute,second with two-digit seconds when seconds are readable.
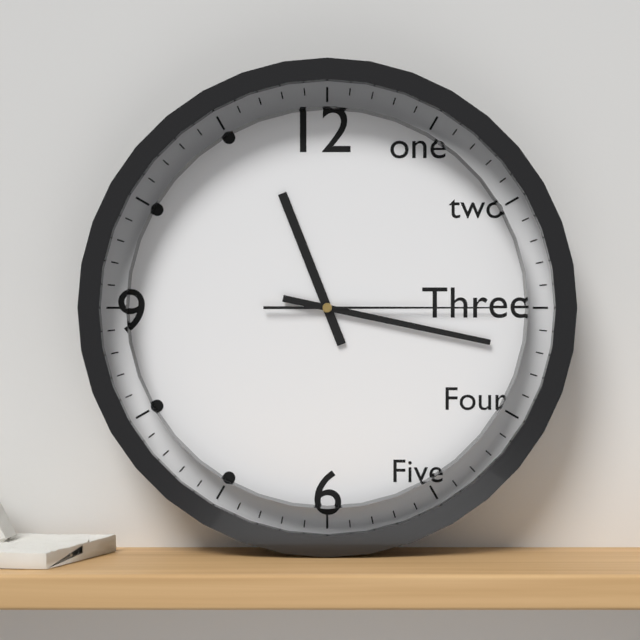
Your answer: 11,17,15
